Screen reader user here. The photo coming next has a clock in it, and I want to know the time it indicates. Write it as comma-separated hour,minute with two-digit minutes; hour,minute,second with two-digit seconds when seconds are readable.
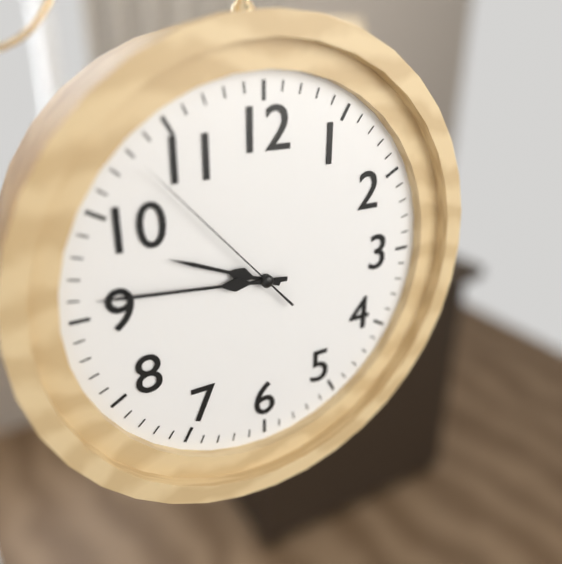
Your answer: 9,46,53
